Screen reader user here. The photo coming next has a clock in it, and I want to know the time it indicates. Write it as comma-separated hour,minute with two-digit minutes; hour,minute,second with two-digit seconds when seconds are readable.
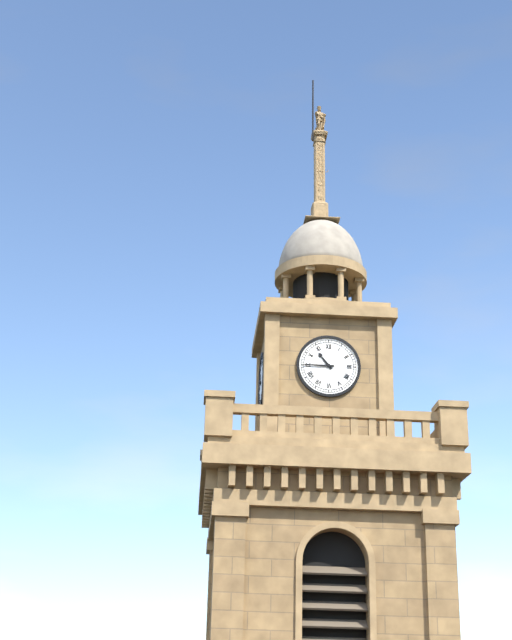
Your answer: 10,45
